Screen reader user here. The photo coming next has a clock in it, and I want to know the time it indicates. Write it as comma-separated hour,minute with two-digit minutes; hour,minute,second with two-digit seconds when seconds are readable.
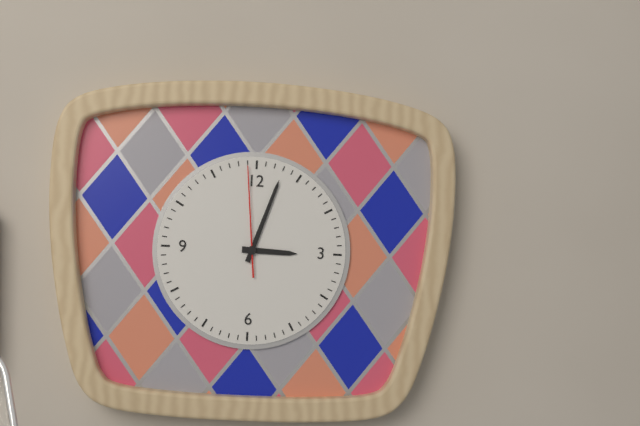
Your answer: 3,03,59
